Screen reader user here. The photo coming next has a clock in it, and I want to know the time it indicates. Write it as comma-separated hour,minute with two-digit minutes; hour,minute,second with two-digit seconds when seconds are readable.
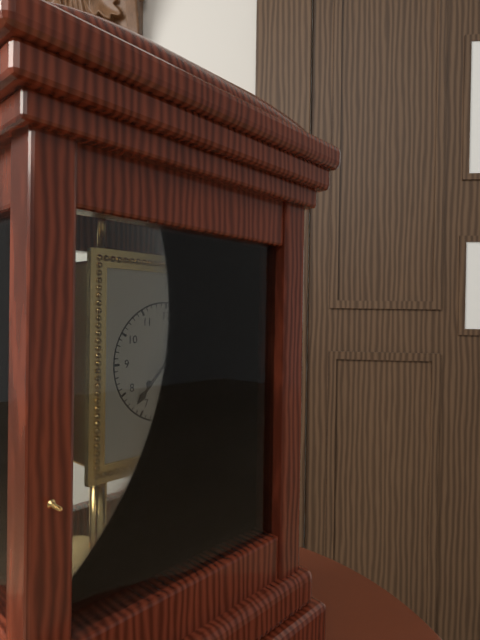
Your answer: 12,37
